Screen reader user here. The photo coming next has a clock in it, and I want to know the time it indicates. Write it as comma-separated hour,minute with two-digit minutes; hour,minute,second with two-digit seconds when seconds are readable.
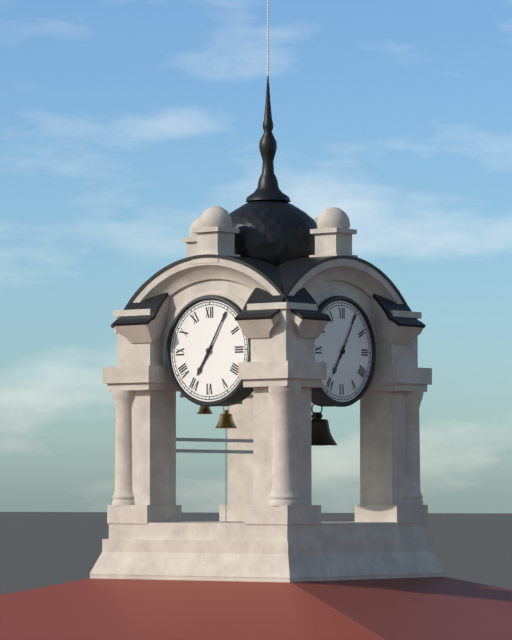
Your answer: 7,05
